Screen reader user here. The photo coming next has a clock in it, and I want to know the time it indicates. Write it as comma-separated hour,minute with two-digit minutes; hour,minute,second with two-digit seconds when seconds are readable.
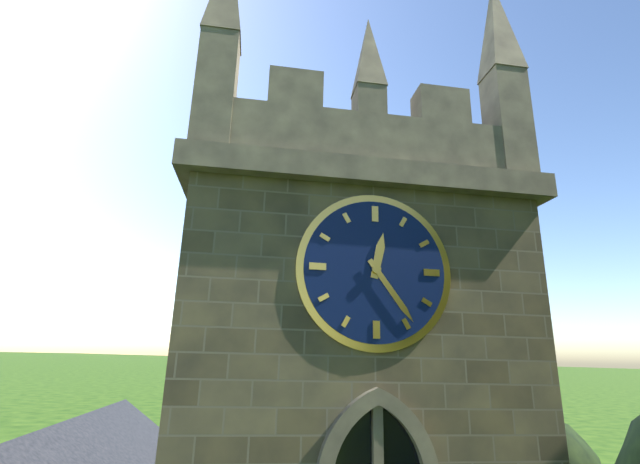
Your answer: 12,24
